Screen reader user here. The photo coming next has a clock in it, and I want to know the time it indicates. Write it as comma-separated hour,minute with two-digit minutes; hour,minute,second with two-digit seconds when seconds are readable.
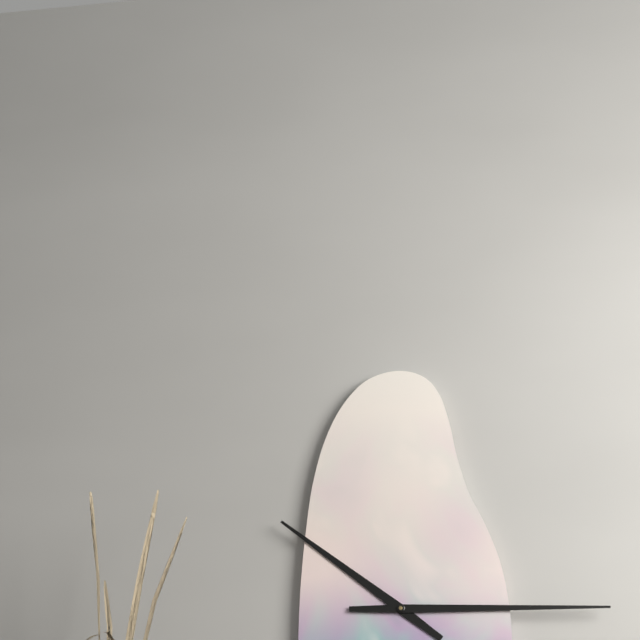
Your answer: 10,15
